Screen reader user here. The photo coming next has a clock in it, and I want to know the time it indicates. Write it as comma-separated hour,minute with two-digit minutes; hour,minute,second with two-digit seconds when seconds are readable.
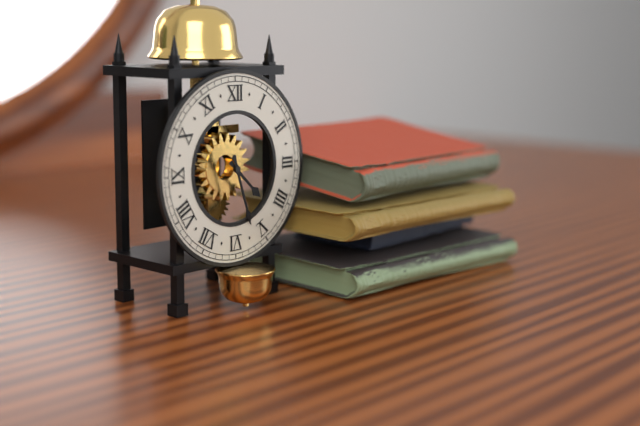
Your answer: 4,27
